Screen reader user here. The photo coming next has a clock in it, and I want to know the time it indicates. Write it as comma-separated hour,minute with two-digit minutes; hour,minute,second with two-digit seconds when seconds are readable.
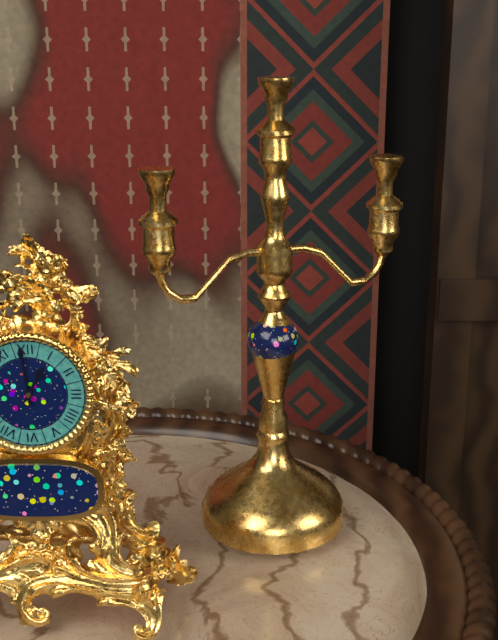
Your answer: 12,59
